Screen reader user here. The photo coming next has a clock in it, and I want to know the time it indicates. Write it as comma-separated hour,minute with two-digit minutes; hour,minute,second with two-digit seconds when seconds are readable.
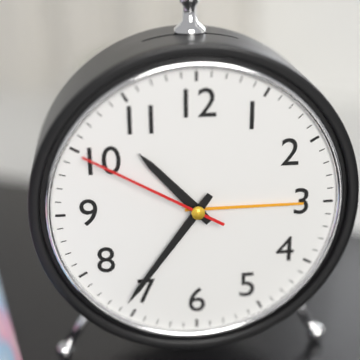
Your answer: 10,36,50
